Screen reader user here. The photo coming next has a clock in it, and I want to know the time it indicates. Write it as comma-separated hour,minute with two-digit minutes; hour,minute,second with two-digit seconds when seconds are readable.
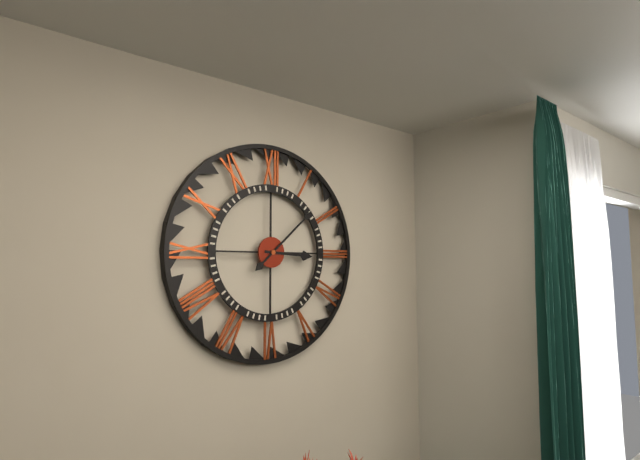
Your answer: 3,08
